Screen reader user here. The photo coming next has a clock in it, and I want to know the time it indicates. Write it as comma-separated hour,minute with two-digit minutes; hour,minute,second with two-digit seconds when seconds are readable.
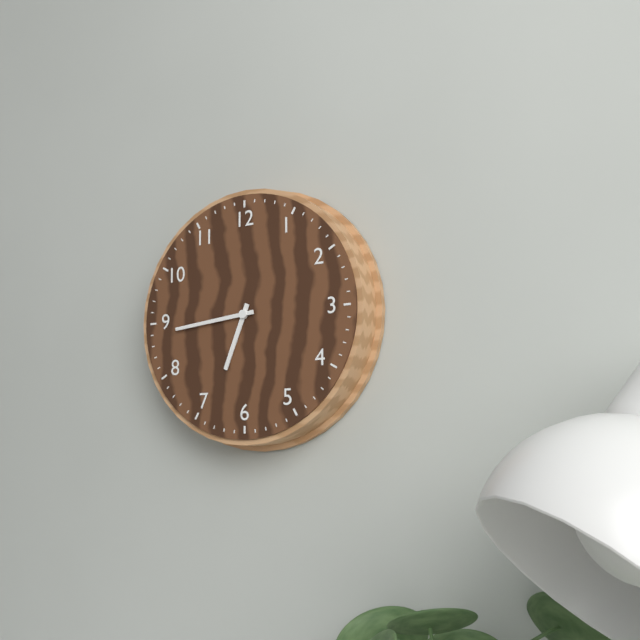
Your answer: 6,44
